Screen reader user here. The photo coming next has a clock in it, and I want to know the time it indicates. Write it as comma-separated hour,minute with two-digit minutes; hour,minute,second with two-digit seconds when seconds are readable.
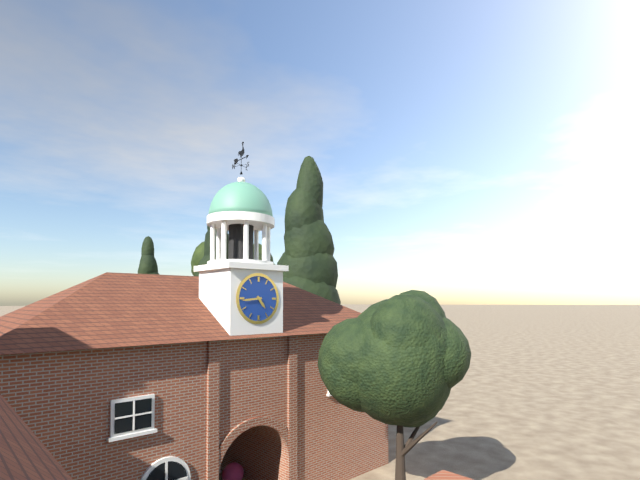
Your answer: 4,44
